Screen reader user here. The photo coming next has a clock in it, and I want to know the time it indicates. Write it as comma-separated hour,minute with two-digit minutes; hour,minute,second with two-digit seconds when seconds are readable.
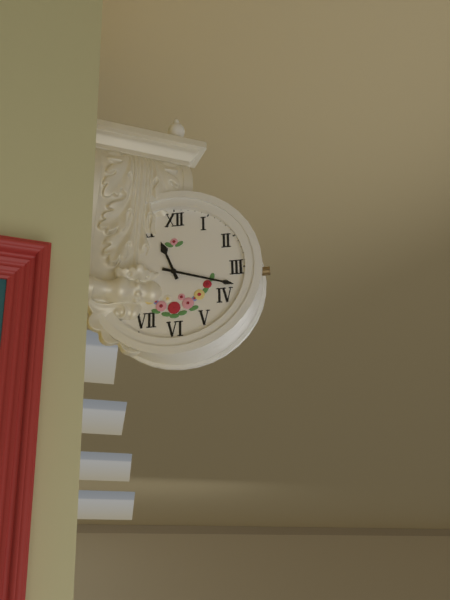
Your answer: 11,18
